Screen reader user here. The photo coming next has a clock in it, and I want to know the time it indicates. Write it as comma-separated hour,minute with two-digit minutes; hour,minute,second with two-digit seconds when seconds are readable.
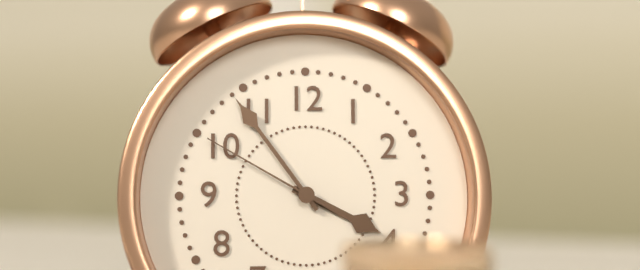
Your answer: 3,54,50
